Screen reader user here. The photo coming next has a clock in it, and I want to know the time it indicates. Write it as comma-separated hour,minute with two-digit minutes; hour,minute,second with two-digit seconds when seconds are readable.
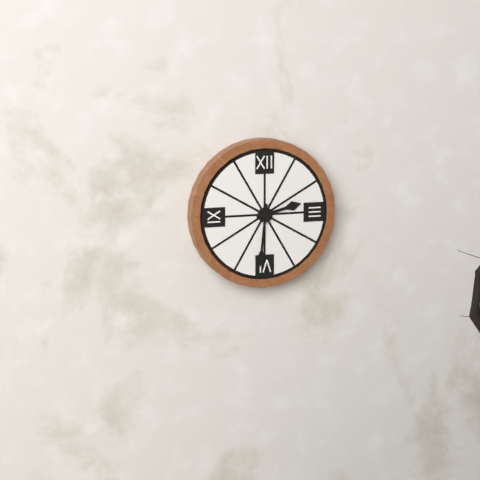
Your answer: 2,31
